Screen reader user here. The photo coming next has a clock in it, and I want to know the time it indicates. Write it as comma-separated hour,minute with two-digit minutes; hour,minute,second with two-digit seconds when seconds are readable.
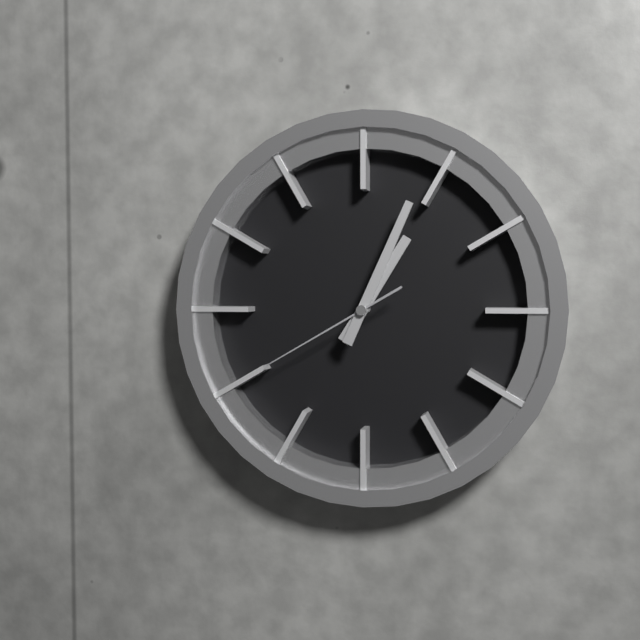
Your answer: 1,04,40
